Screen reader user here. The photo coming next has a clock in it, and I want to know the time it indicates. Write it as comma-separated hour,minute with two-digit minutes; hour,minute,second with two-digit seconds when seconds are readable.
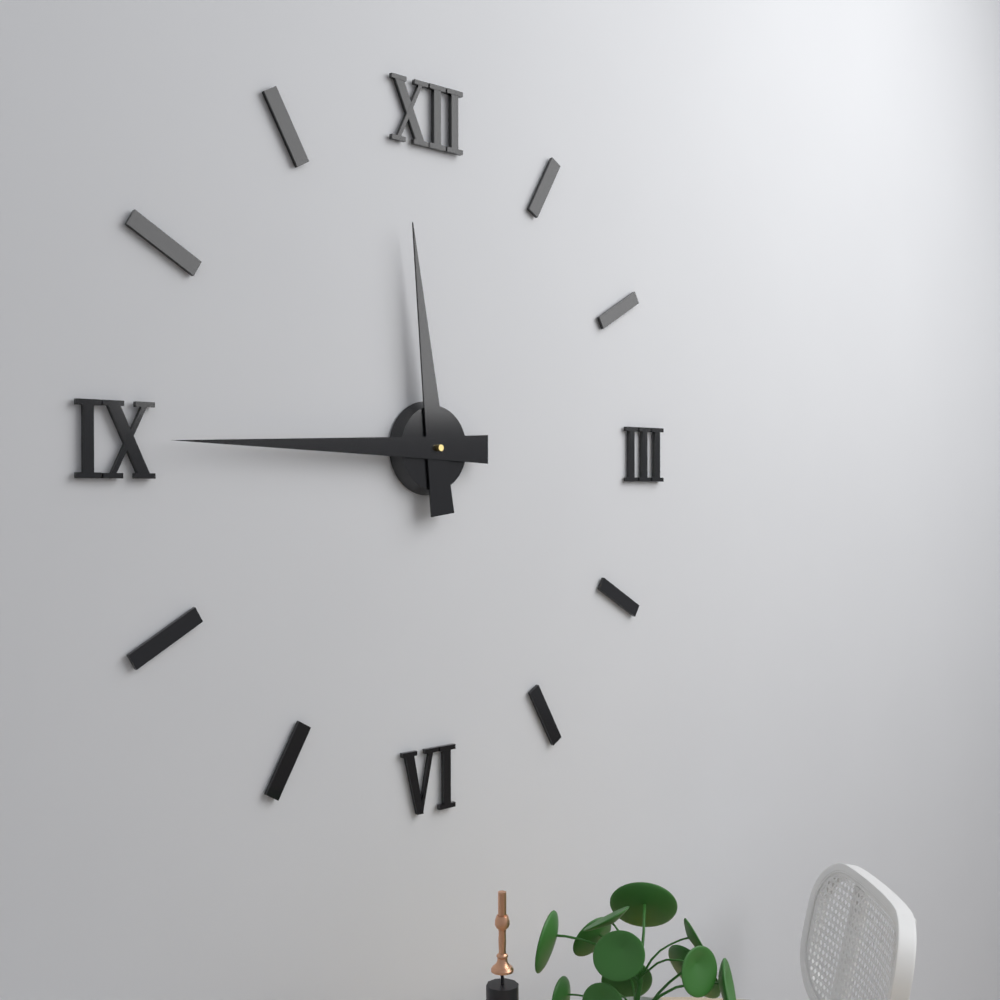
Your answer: 11,45
